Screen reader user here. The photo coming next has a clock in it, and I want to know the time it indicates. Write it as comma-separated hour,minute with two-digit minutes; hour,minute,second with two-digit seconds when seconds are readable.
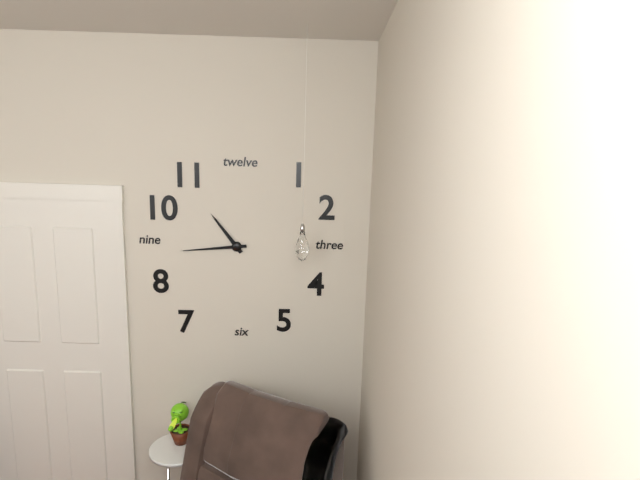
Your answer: 10,44
